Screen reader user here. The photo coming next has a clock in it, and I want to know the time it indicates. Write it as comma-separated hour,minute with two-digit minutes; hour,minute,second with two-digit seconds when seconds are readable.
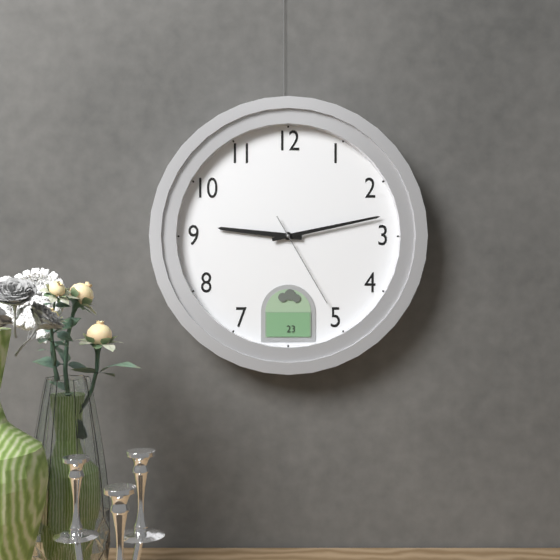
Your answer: 9,13,25
